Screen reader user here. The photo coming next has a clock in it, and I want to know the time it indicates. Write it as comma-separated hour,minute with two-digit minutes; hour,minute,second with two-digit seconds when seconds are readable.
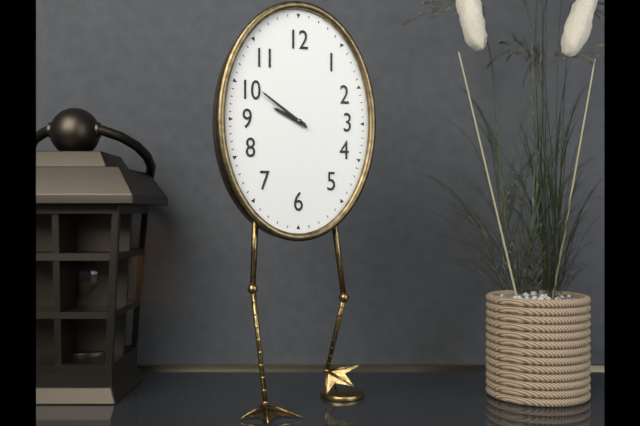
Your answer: 9,51
